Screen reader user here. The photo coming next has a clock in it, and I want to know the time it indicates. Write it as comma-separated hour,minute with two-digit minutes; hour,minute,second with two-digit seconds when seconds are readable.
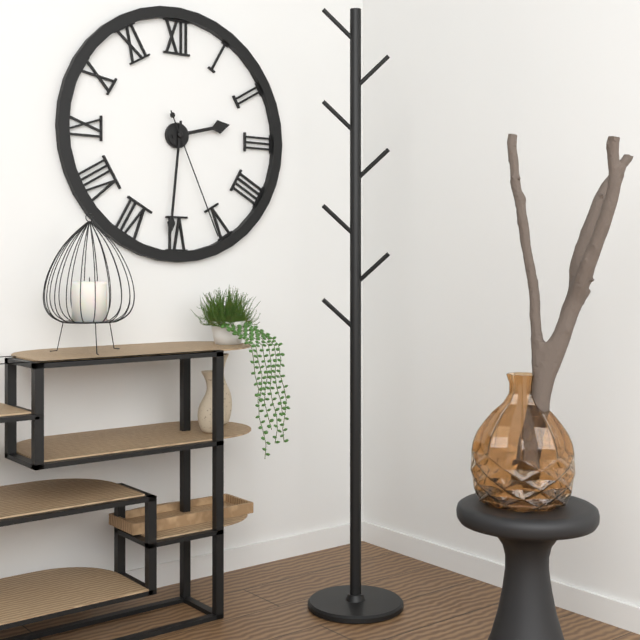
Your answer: 2,31,26
